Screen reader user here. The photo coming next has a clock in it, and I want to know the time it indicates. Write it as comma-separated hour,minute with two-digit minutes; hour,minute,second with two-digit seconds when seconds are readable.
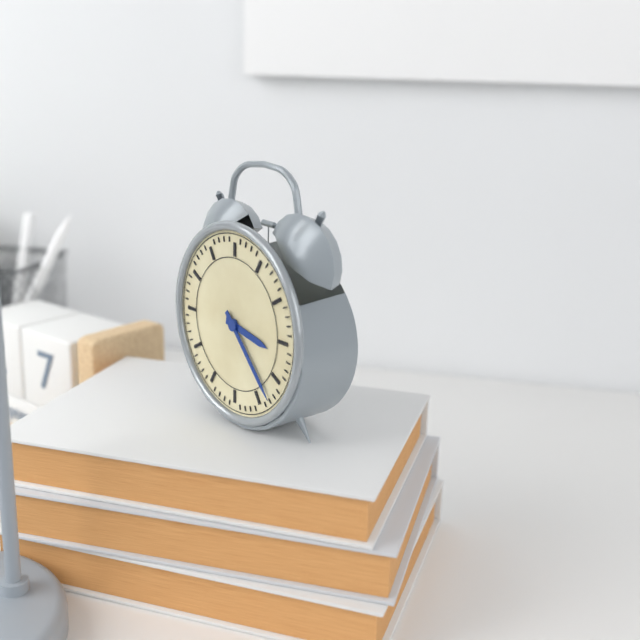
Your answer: 3,23
